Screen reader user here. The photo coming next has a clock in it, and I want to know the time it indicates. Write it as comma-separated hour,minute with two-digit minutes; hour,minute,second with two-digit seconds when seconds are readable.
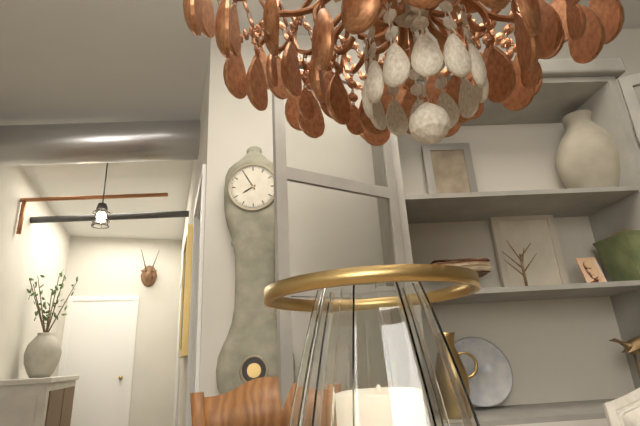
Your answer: 7,55
